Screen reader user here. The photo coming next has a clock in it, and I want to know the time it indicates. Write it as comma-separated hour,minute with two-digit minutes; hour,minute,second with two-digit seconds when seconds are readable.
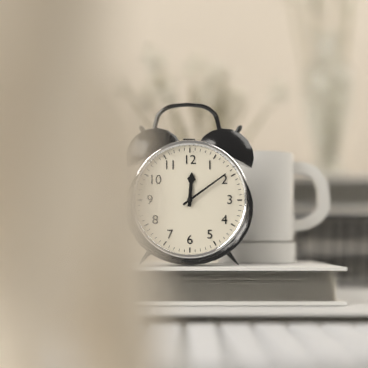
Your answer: 12,09
